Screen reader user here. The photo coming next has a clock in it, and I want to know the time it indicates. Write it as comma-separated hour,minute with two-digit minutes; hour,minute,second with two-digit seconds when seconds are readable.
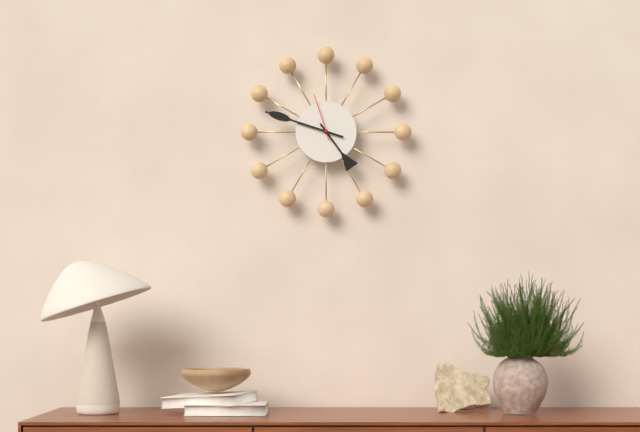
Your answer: 4,48
